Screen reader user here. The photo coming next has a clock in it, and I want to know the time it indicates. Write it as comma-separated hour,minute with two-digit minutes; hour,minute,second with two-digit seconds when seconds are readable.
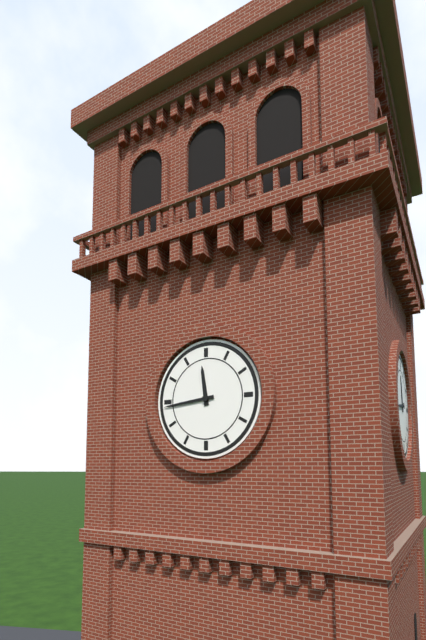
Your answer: 11,44
